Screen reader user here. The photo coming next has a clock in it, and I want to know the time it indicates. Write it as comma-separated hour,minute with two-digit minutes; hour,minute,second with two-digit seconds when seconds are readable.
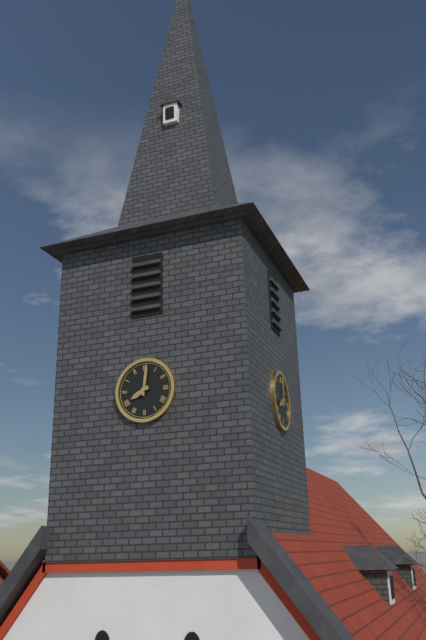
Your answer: 8,01
